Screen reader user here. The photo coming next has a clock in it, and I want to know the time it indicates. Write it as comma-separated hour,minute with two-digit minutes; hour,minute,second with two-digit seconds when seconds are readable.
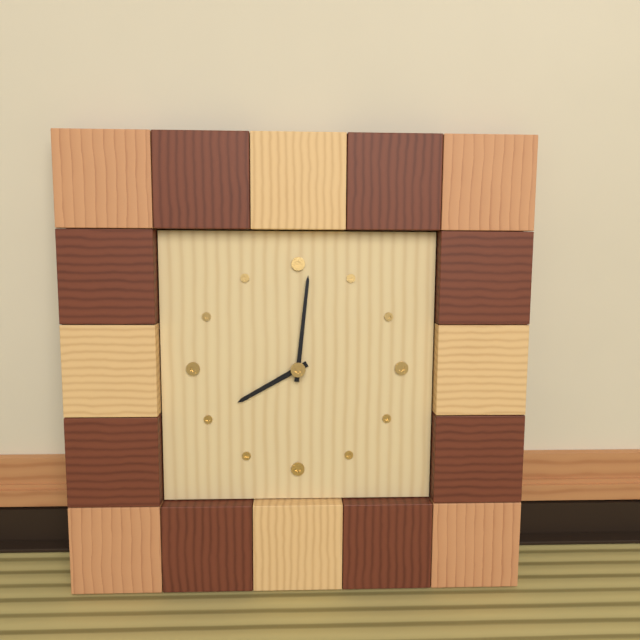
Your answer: 8,01
